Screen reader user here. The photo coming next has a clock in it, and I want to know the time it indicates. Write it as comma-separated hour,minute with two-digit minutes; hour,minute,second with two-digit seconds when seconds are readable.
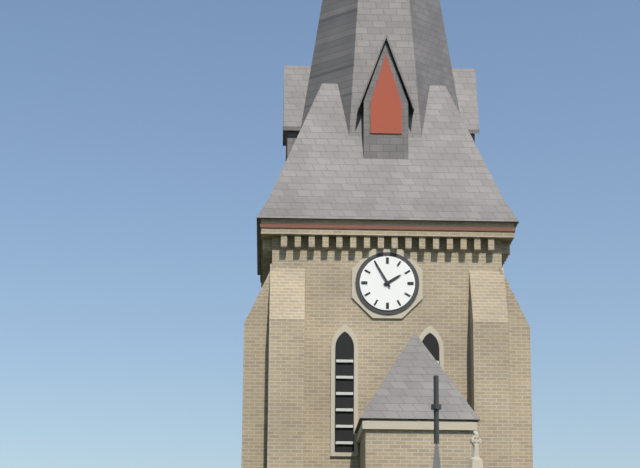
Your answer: 1,55
